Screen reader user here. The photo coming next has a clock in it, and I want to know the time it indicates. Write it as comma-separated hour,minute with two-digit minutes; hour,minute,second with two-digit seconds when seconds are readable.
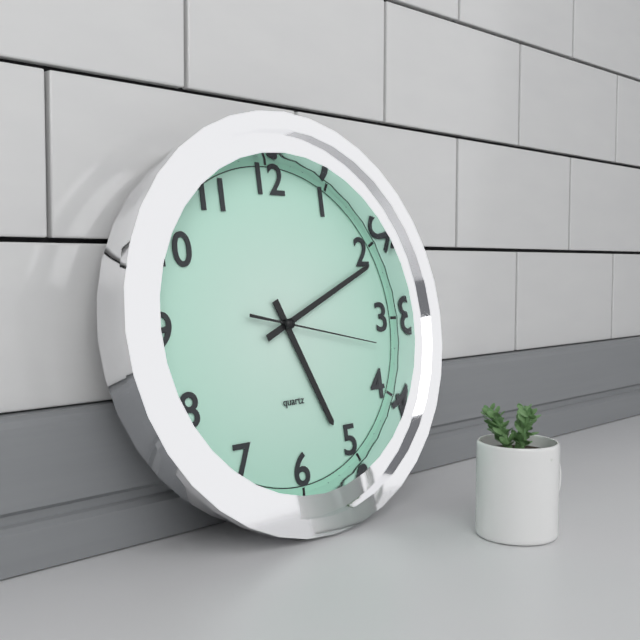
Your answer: 5,11,17
